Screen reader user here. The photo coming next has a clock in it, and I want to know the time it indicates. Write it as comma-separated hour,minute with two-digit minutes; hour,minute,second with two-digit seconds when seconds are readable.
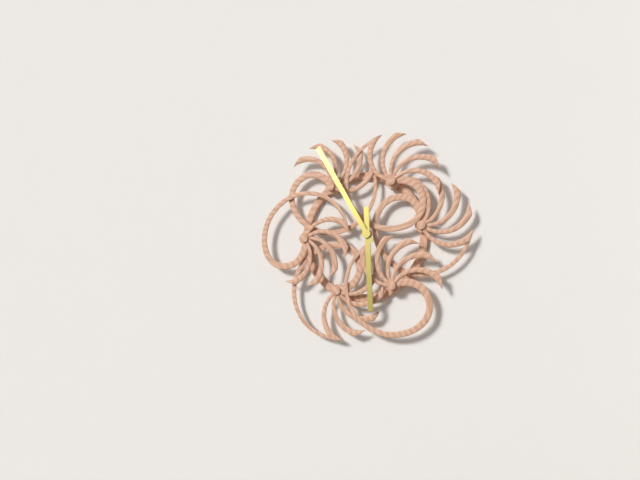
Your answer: 5,55
